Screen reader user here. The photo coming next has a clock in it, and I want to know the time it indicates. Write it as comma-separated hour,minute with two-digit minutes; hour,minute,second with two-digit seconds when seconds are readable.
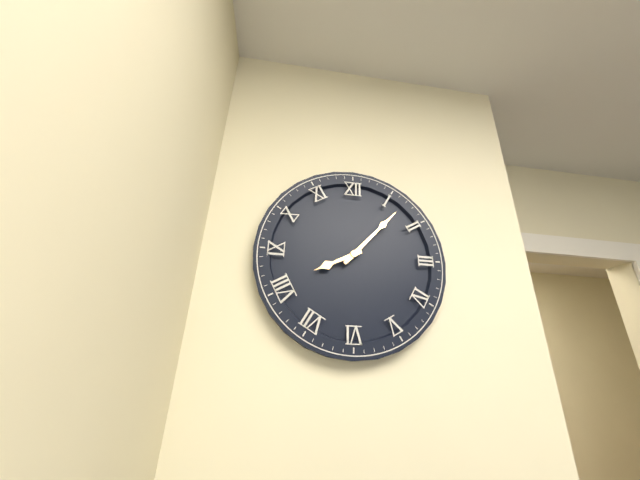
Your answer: 8,07
